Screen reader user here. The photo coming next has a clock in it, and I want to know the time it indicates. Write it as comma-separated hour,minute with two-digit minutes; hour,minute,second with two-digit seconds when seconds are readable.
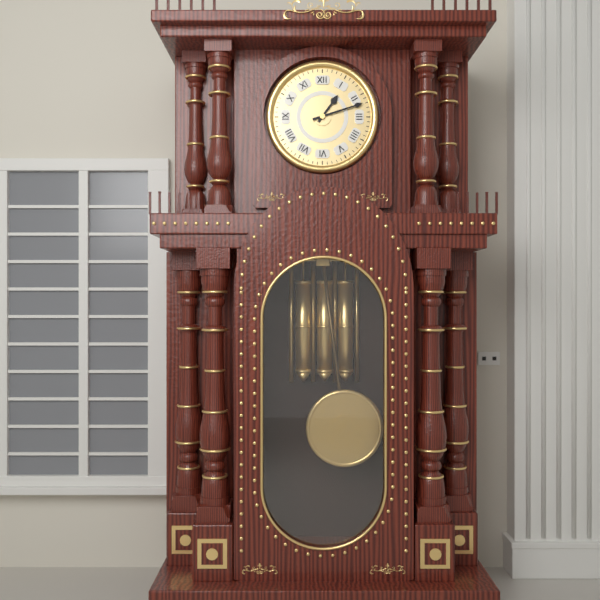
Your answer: 1,12
